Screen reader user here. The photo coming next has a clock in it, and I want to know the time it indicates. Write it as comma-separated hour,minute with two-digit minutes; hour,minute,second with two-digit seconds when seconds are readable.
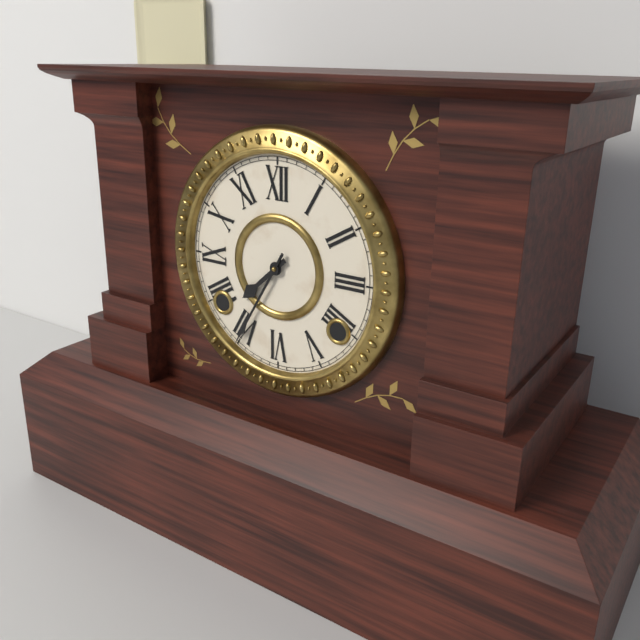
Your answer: 7,35
